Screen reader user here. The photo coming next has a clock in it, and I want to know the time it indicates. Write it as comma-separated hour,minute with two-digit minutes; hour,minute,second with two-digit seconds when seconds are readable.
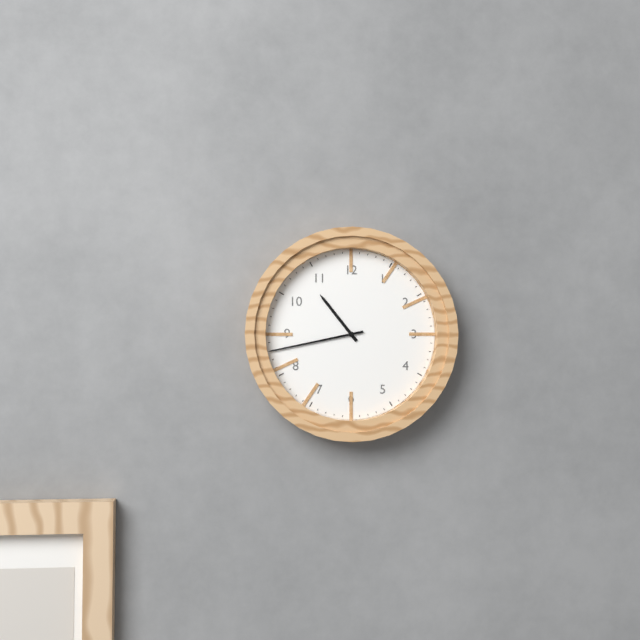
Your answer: 10,43
